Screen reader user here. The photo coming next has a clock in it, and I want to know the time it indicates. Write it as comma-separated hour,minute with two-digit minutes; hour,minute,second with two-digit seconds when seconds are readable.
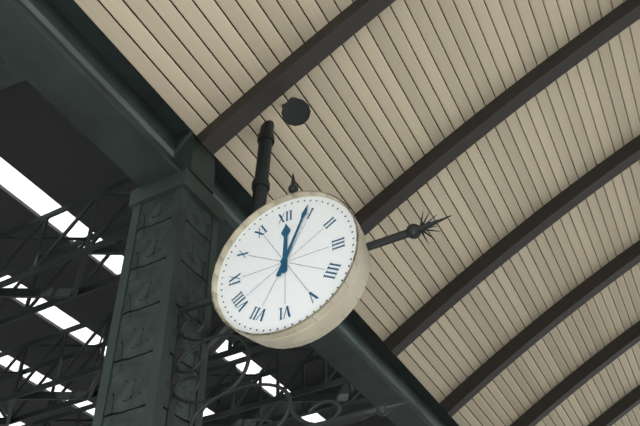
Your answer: 12,04
